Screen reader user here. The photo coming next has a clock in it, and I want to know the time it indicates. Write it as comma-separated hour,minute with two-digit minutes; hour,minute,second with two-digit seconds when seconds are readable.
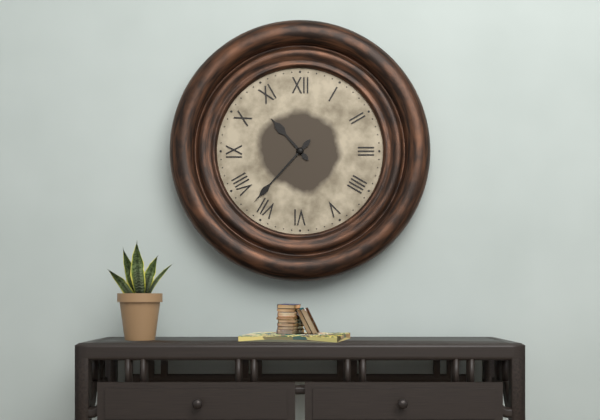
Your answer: 10,37
